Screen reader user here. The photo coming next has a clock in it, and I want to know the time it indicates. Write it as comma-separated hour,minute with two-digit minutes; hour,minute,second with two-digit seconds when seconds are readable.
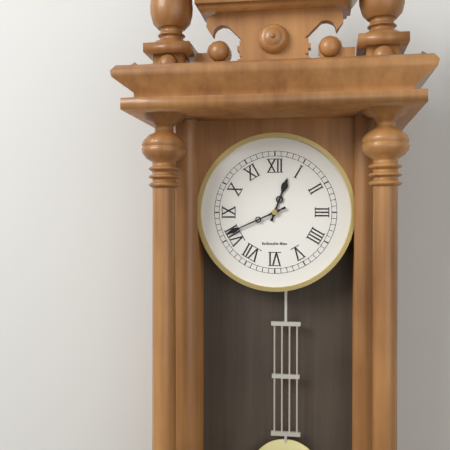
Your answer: 12,41
